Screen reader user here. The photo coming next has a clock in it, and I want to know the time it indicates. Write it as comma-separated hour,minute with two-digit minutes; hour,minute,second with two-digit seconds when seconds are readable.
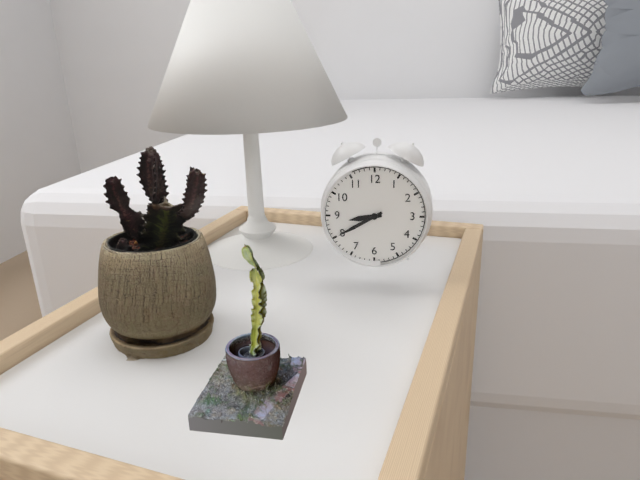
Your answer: 8,40
